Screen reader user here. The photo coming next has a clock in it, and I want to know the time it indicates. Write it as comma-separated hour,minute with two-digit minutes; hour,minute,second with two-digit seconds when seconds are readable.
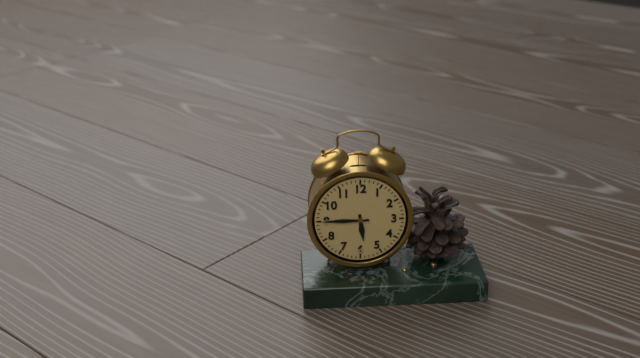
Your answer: 5,45
